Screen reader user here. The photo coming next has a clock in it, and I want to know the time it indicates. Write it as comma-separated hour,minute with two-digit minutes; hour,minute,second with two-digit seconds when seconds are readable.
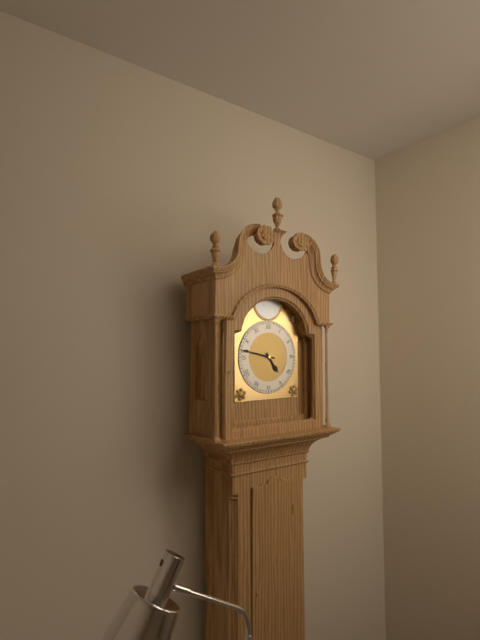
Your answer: 4,47
